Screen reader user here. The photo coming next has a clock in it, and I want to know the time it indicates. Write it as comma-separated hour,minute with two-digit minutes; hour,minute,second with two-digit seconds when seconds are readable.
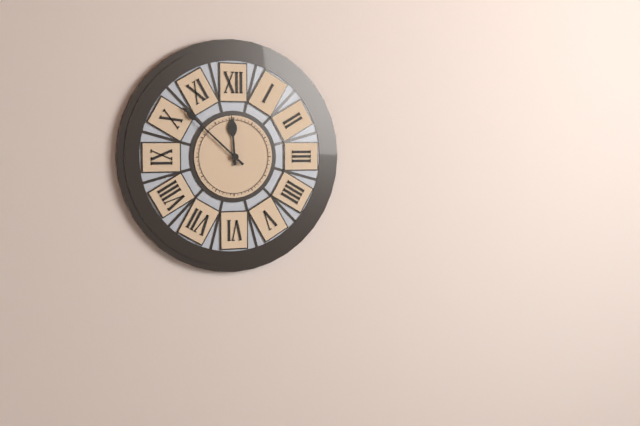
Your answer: 11,52
